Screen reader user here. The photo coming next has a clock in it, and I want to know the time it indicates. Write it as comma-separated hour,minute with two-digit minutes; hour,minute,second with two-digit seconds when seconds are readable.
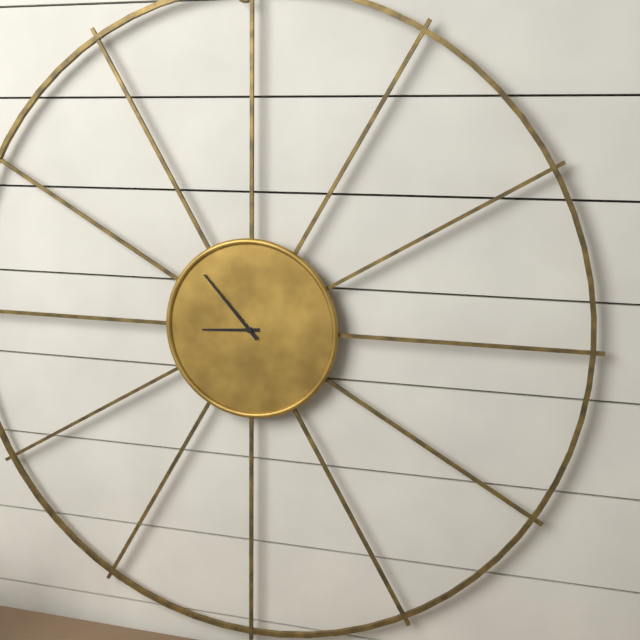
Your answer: 8,53
